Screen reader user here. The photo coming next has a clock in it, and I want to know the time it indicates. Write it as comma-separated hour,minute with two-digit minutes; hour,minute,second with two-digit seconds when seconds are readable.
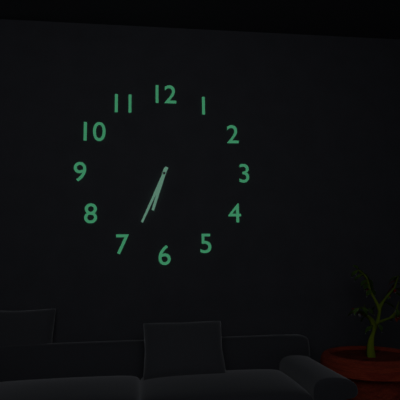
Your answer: 6,34
